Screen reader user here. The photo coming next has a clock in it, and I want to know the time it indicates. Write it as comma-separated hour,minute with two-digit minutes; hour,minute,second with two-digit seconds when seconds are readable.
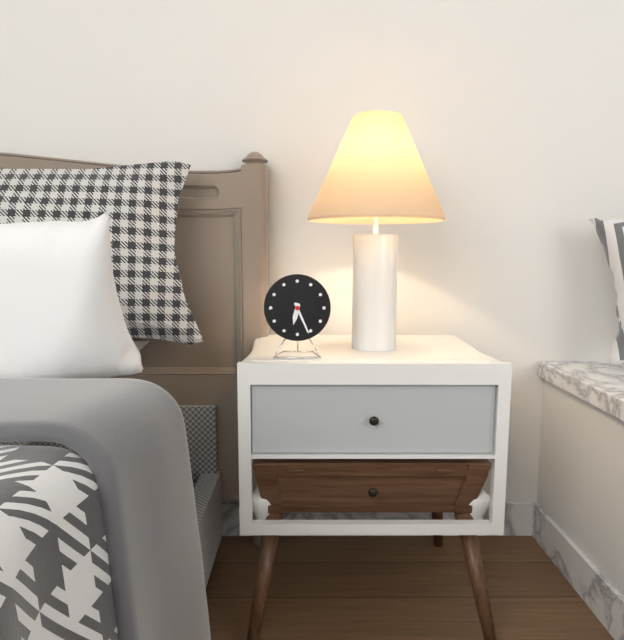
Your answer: 6,26
